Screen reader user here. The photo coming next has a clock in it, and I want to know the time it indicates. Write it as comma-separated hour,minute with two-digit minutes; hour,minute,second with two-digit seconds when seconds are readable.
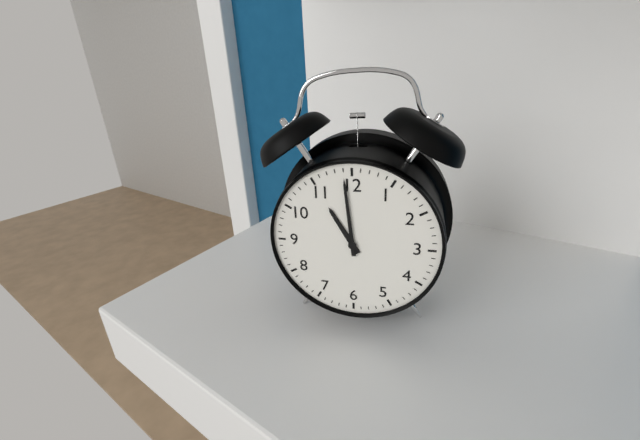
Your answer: 10,59
